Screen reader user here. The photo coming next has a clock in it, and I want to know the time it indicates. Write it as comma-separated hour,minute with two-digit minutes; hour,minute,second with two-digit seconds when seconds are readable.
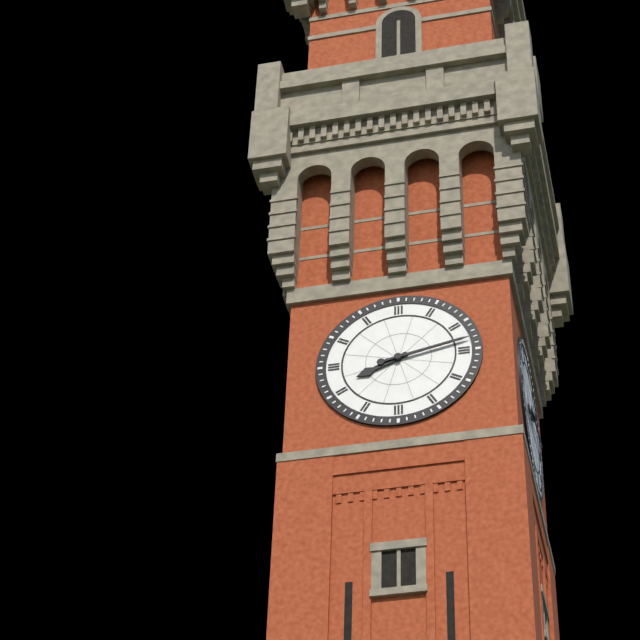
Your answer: 8,13
